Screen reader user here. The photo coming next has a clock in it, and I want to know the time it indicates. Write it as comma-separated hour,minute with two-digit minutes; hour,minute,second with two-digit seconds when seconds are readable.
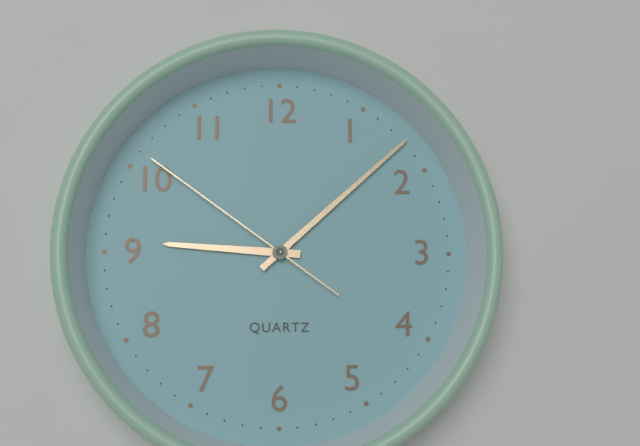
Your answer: 9,08,51
